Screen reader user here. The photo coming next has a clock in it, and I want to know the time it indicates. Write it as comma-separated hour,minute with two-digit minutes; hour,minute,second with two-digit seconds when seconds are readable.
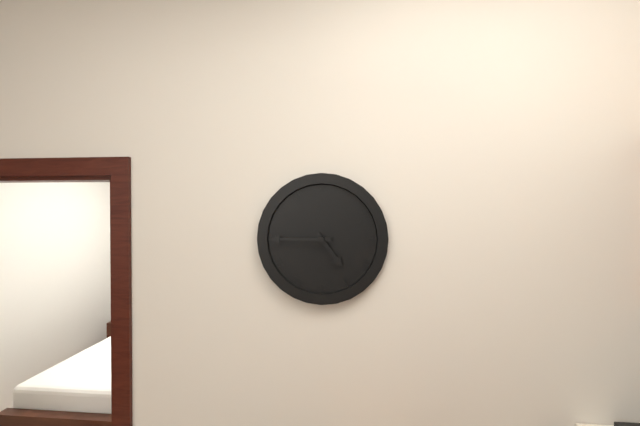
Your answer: 4,45
